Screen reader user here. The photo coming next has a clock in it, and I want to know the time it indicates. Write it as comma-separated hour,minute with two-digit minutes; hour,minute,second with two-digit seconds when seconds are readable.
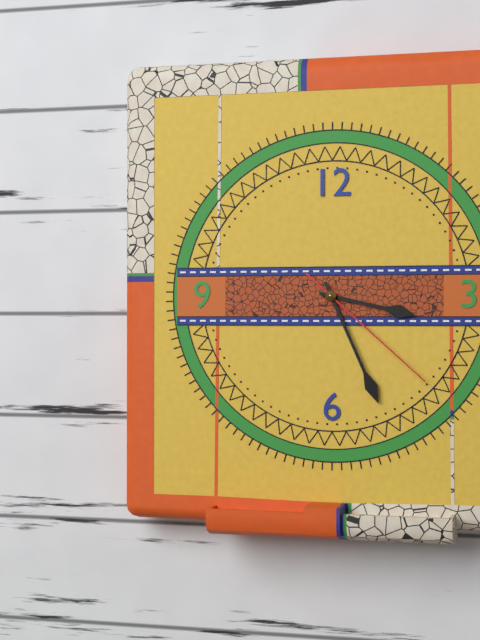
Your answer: 3,26,22
